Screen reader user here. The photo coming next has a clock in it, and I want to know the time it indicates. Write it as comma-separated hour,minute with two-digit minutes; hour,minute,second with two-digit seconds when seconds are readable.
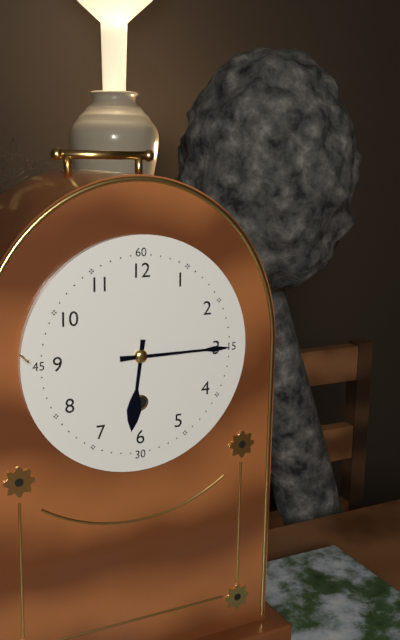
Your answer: 6,15
